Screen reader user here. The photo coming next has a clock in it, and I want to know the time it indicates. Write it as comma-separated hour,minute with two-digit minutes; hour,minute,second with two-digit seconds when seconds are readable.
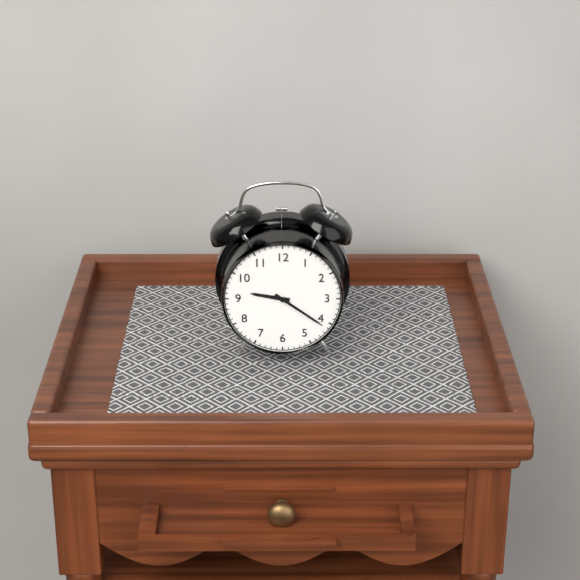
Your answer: 9,21
